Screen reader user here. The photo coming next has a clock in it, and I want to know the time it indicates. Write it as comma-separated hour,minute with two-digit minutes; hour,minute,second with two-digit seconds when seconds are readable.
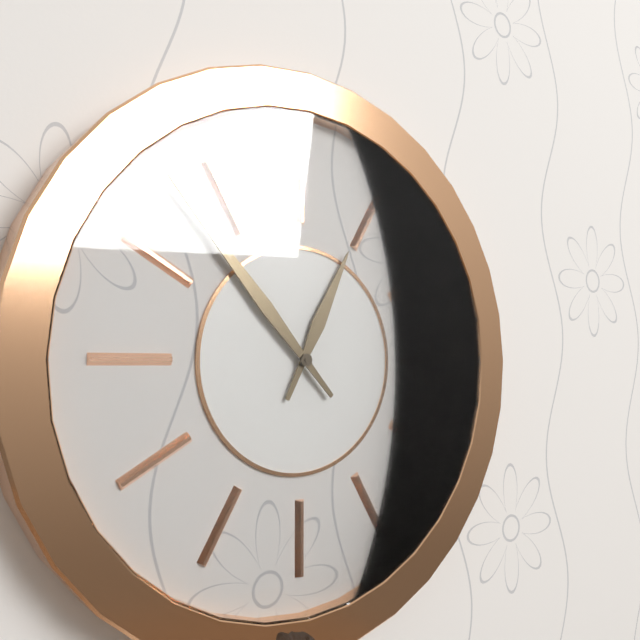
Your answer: 12,53
